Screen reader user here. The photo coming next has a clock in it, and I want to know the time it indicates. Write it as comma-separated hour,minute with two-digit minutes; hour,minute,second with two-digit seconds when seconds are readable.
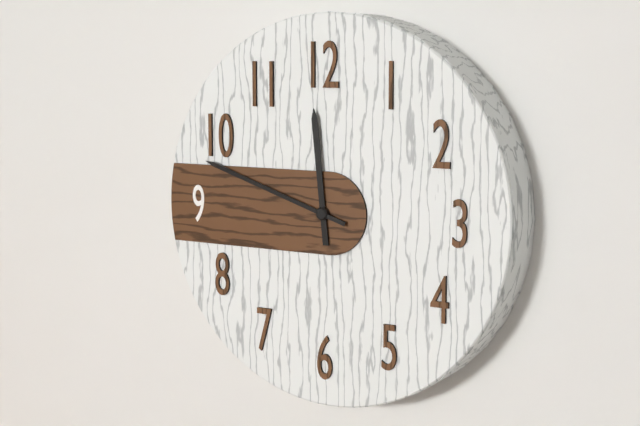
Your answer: 11,48
